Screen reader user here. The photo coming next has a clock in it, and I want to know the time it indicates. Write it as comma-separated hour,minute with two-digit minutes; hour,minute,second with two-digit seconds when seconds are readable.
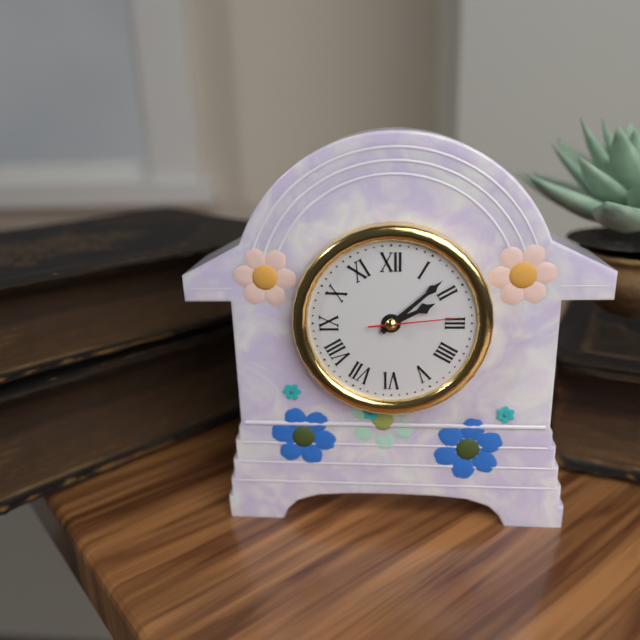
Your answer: 2,08,14
